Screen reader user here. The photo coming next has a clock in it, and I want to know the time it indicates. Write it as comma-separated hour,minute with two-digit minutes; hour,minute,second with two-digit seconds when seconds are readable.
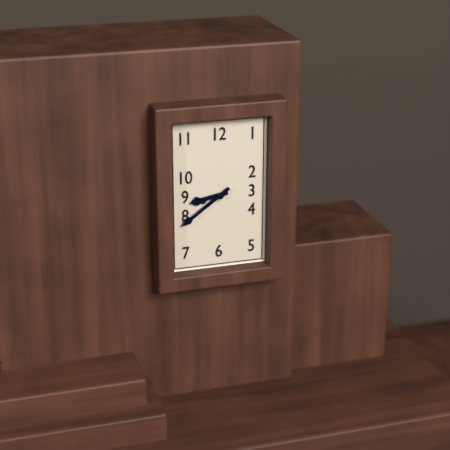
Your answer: 8,39
